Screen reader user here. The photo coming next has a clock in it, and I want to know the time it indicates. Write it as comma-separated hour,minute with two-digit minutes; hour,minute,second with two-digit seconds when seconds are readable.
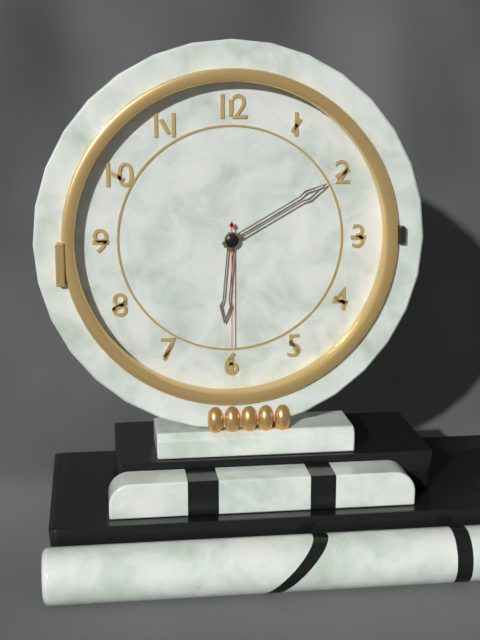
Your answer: 6,10,30
